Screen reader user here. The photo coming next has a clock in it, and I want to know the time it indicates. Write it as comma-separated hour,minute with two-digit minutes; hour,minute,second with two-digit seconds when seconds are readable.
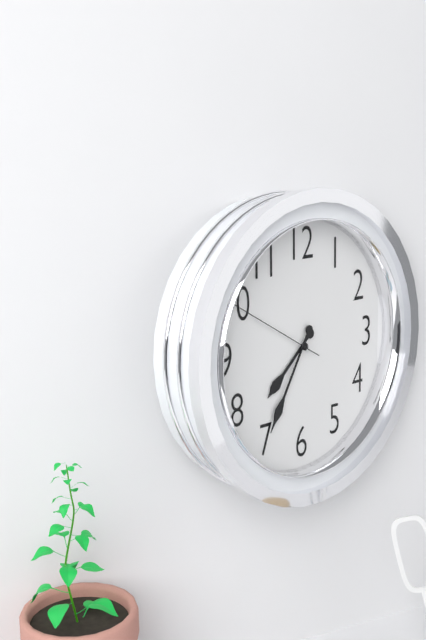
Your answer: 7,35,50
